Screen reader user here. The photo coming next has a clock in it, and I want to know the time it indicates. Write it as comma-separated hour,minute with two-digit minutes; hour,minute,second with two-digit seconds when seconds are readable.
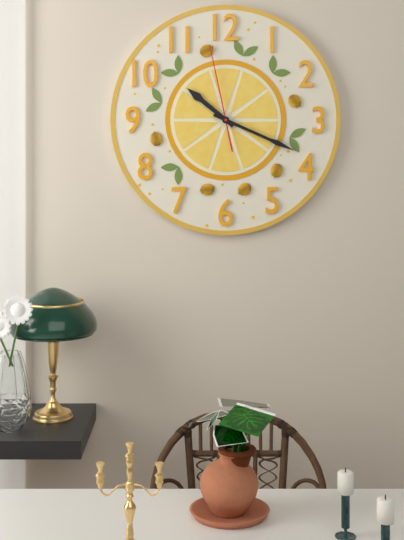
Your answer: 10,19,58
